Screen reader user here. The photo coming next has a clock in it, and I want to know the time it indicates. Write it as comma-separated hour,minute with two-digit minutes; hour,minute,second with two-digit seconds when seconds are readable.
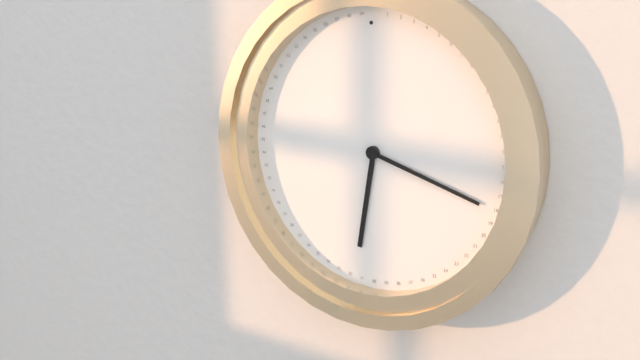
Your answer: 6,18
